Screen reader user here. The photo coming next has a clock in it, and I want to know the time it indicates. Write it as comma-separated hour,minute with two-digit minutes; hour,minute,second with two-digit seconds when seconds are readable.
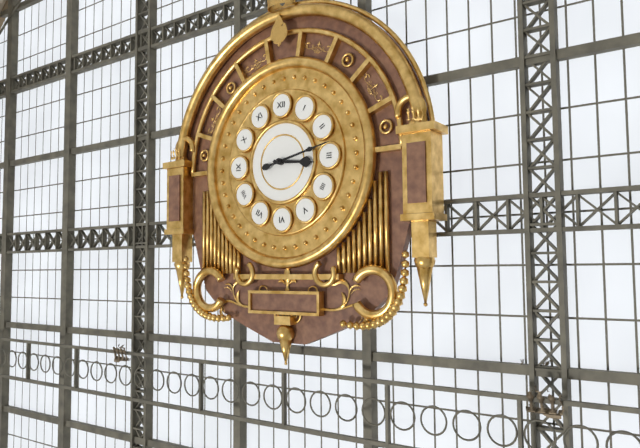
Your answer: 3,13
